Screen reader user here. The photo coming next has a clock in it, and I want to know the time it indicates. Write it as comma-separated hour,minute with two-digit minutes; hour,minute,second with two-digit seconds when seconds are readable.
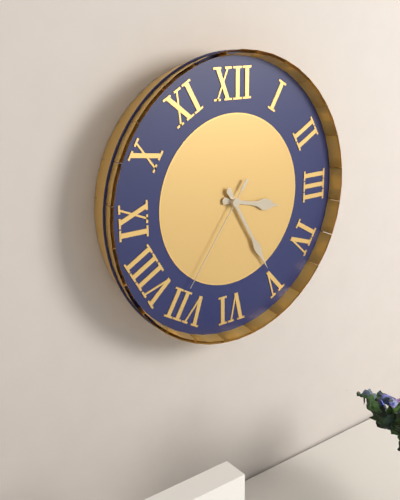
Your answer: 3,25,36
